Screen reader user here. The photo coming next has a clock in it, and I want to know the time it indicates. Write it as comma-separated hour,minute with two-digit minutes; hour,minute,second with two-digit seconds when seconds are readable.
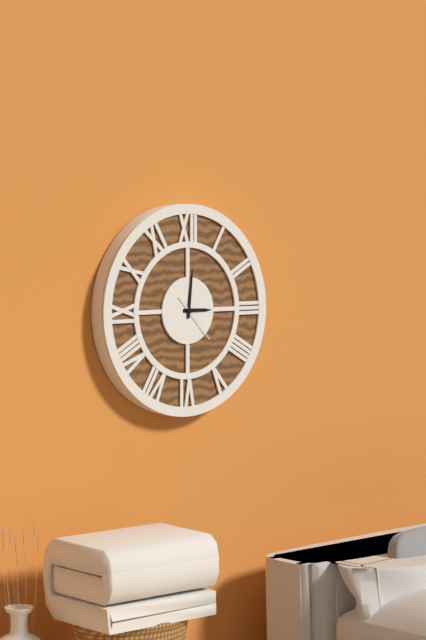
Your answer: 3,01,23
